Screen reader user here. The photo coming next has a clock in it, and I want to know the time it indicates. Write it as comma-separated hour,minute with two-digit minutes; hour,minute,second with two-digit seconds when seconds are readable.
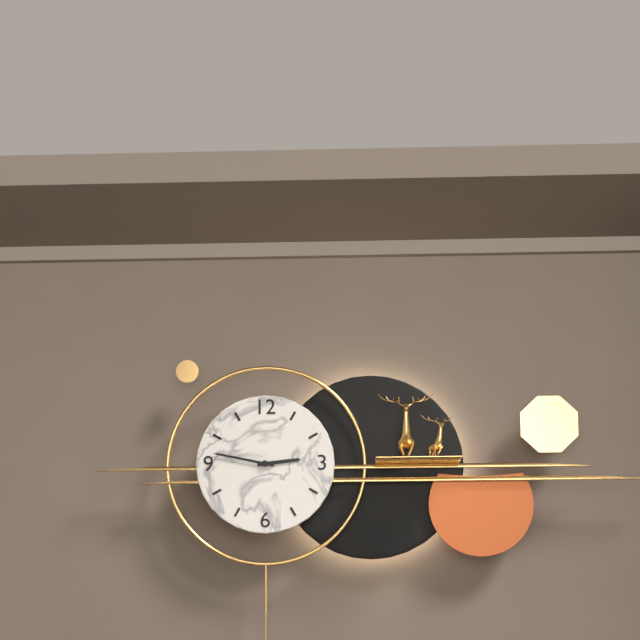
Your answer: 2,47
